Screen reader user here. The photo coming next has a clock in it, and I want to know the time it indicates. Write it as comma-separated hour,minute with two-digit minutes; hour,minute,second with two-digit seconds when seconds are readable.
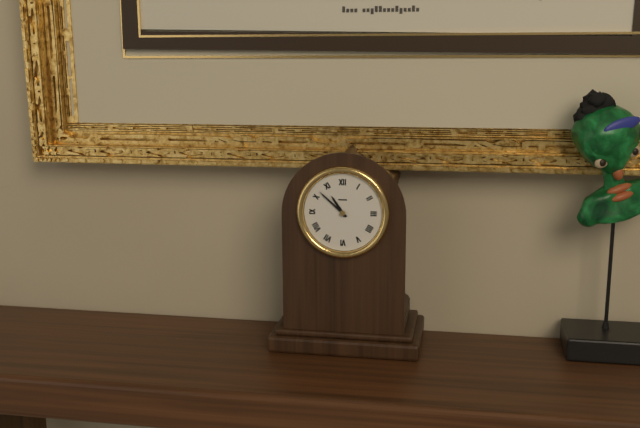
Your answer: 10,52
